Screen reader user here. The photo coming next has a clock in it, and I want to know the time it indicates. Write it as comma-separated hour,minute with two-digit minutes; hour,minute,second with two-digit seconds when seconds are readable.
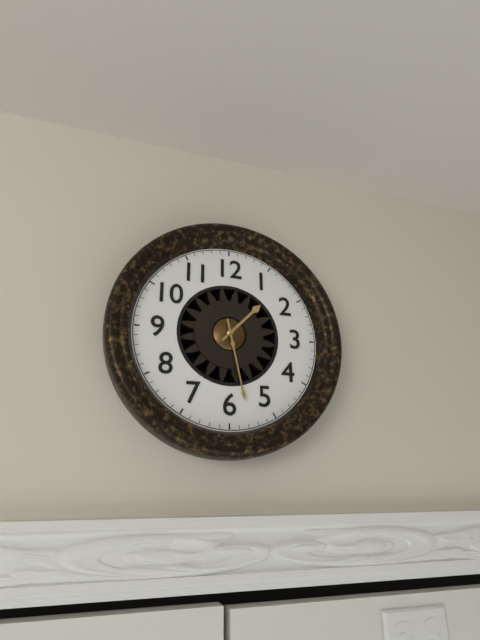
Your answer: 1,28
